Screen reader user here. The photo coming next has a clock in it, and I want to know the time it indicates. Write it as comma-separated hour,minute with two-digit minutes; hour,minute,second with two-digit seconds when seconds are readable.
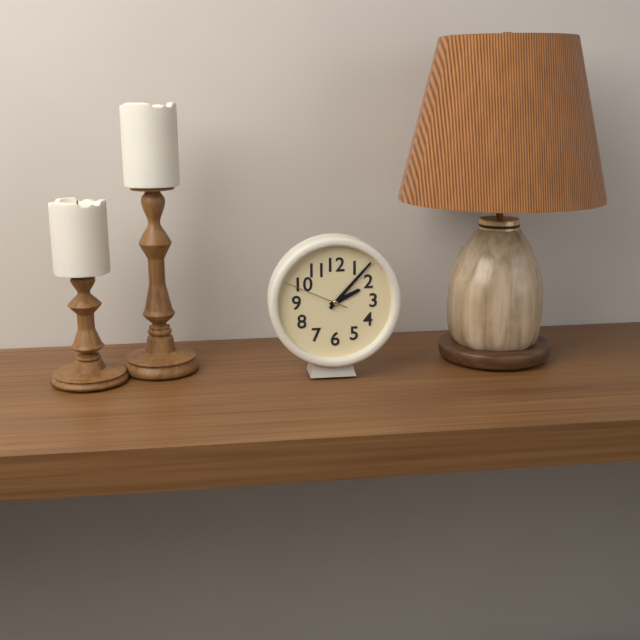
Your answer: 2,07,49
